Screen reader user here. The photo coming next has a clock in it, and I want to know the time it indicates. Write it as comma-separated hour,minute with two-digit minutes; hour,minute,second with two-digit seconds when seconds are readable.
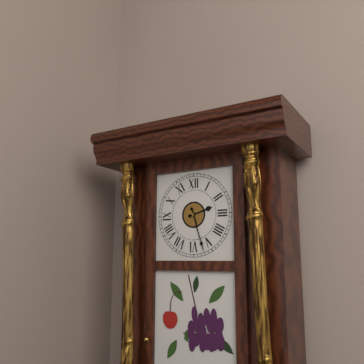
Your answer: 2,27
